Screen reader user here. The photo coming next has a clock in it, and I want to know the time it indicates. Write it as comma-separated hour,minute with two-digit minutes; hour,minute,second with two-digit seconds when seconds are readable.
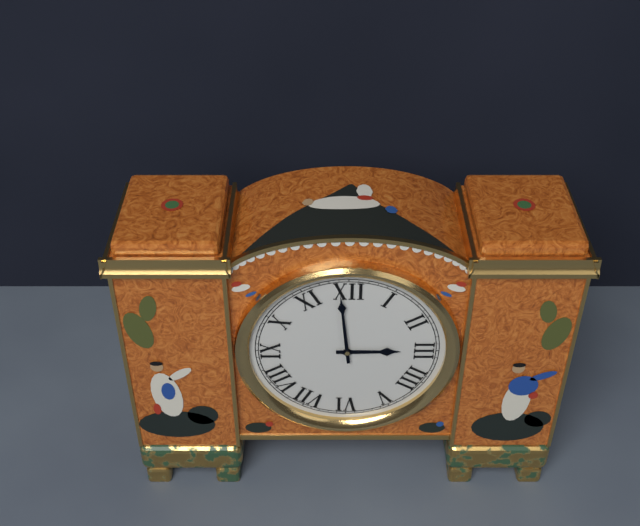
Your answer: 2,59
